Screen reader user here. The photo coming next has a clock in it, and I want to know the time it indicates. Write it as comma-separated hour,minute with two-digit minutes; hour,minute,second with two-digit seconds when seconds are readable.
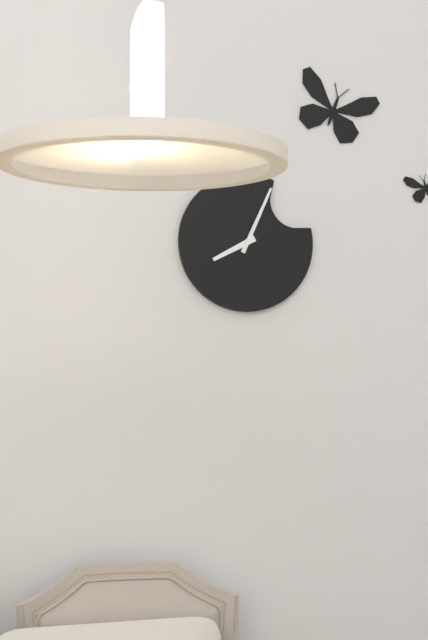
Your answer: 8,04
